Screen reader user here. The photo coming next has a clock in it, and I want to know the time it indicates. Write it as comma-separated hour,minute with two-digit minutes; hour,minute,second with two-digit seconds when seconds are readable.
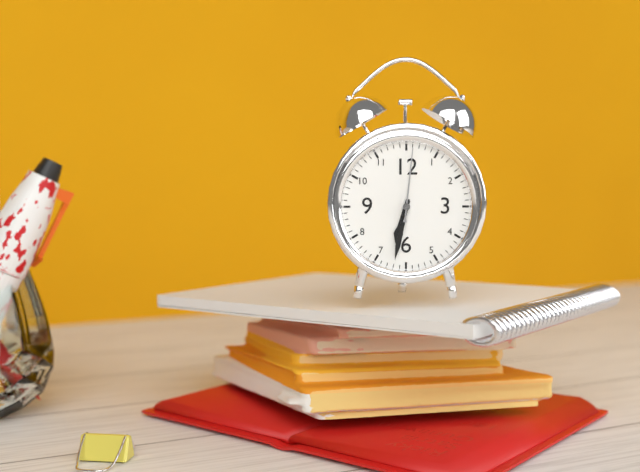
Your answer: 6,32,01
